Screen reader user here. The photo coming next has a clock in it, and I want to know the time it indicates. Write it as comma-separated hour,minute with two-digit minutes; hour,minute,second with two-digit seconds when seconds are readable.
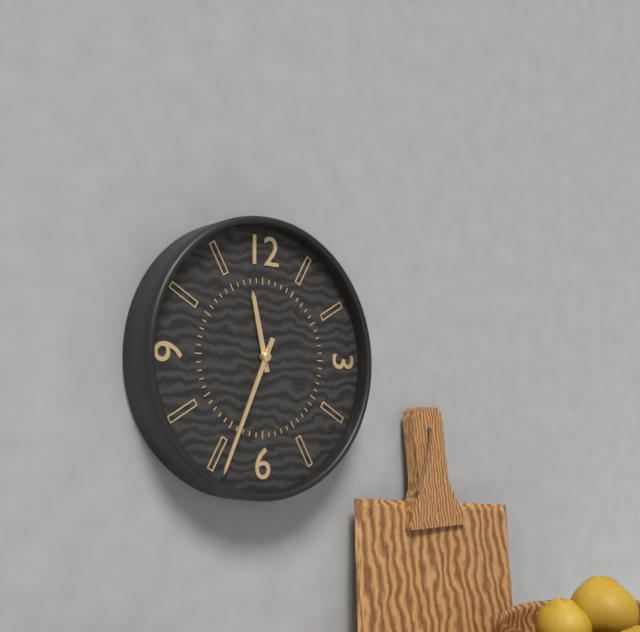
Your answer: 11,34
